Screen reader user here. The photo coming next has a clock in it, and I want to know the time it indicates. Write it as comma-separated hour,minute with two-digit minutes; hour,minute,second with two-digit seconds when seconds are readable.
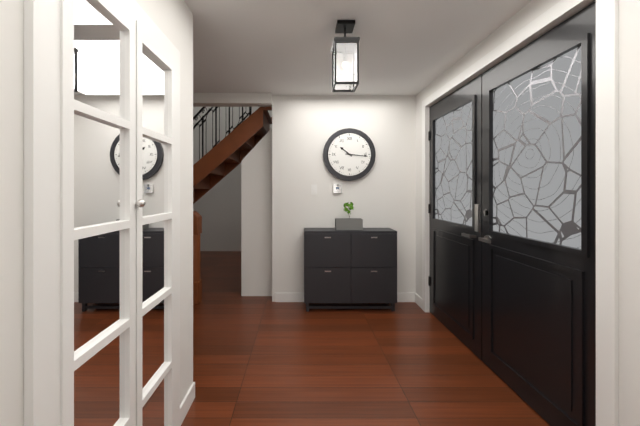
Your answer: 10,16
